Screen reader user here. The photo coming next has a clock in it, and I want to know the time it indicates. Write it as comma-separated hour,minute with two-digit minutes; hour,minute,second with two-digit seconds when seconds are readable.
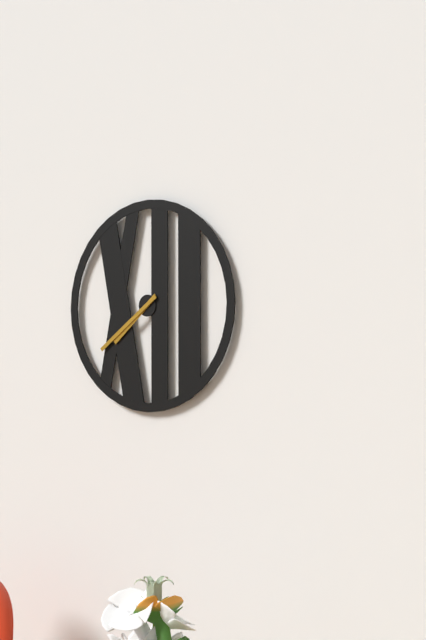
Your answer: 7,39
